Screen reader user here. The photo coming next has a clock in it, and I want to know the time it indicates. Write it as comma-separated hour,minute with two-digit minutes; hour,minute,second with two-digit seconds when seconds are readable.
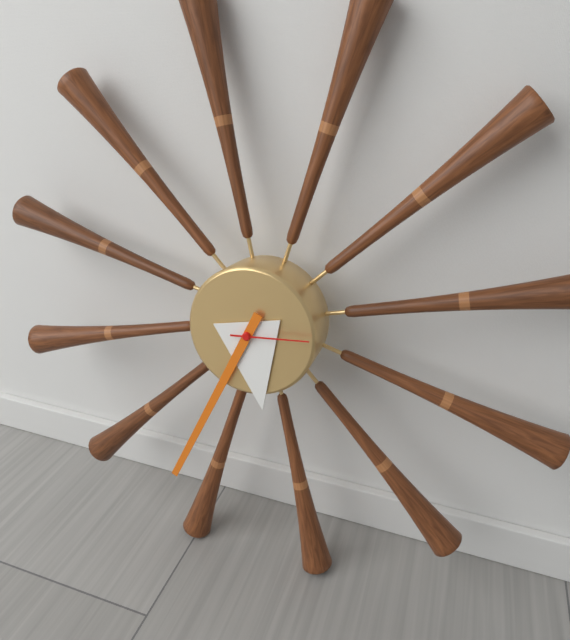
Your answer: 5,34,14
